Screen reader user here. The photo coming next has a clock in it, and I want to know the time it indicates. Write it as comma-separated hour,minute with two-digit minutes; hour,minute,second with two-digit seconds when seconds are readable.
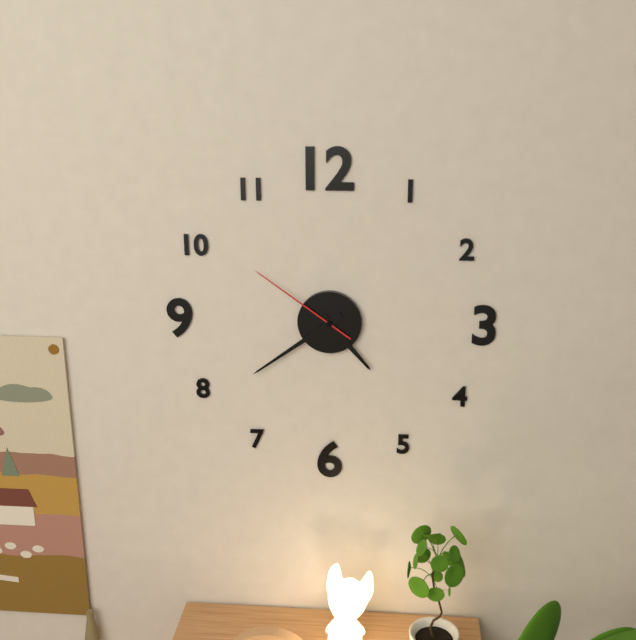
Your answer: 4,39,51
